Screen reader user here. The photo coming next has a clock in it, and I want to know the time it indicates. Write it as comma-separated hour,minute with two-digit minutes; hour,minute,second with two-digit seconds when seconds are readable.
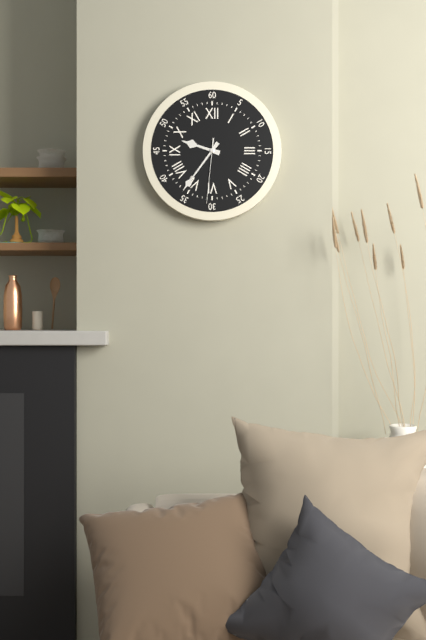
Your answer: 9,36,31
